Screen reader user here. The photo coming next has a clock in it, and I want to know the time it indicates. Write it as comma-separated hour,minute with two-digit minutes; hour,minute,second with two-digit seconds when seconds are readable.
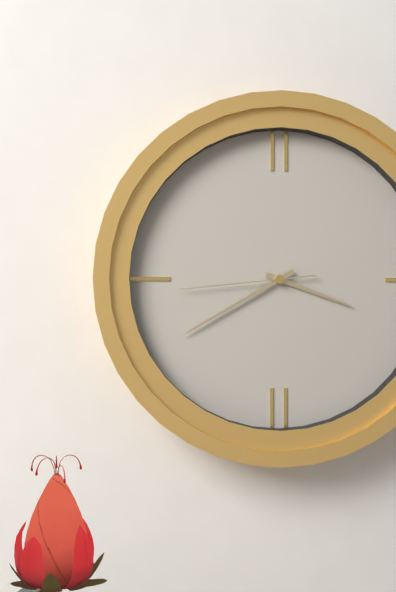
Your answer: 3,40,44
